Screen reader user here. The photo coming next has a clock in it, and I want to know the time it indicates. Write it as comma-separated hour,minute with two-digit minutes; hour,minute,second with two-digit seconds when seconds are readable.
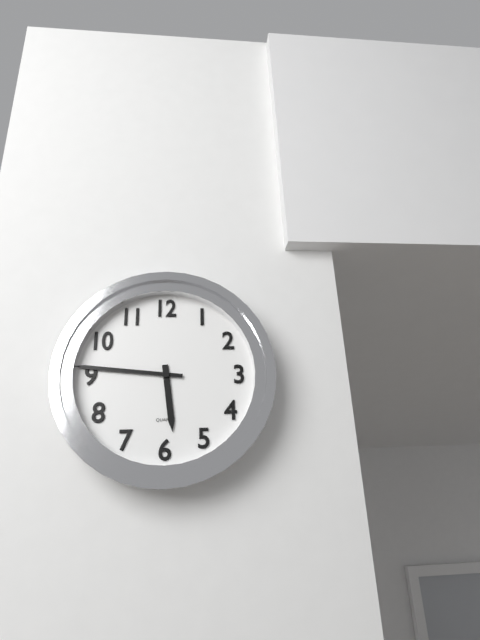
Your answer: 5,46
